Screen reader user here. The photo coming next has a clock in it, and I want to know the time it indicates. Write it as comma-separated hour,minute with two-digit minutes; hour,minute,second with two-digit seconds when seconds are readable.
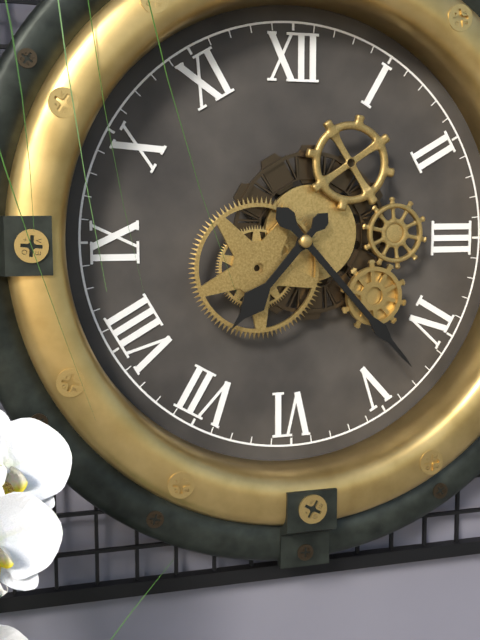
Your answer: 7,23
